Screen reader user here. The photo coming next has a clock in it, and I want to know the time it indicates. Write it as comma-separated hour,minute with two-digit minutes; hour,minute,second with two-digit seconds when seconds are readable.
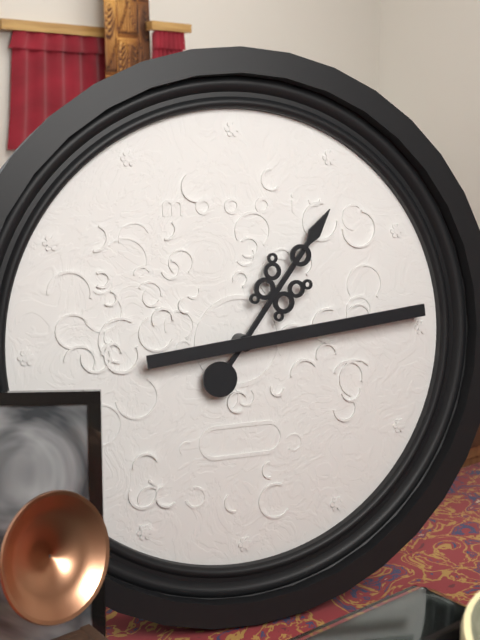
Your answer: 1,14
